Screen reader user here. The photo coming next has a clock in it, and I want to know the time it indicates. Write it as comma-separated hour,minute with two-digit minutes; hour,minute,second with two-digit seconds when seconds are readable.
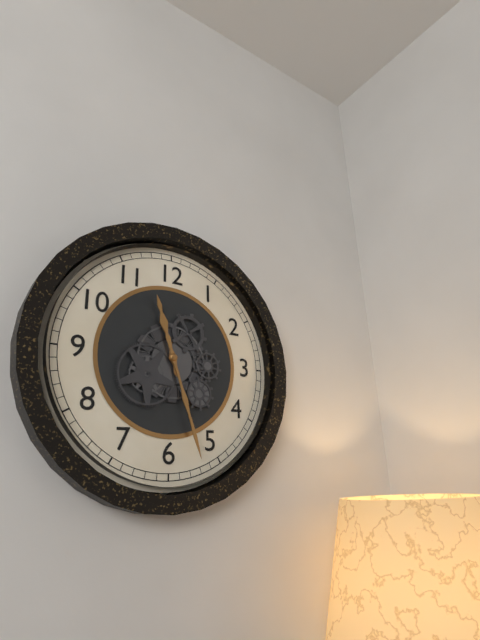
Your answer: 11,27
